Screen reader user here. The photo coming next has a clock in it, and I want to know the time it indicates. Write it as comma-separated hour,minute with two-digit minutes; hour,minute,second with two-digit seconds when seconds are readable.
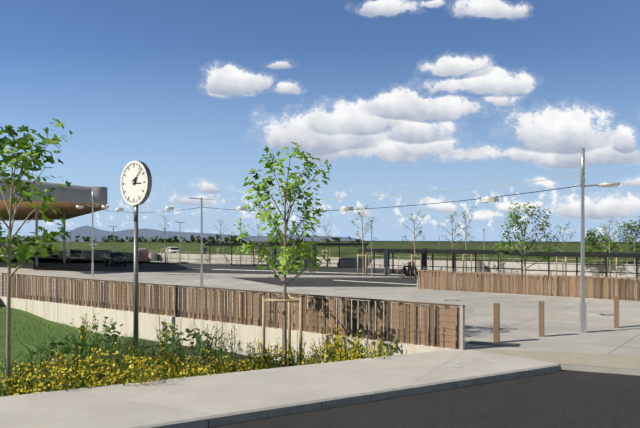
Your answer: 3,07
